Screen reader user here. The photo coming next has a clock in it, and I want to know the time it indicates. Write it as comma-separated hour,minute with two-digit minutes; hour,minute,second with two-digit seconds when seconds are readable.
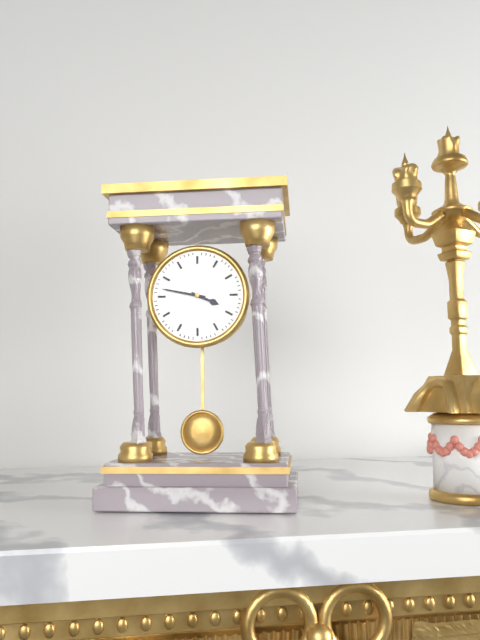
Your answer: 3,47
